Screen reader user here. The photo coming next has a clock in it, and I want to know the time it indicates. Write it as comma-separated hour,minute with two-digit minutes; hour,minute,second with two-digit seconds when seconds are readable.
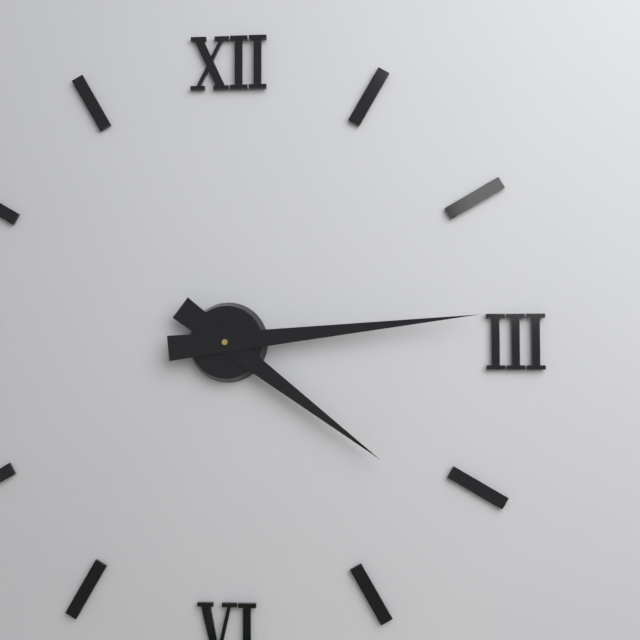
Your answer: 4,14
